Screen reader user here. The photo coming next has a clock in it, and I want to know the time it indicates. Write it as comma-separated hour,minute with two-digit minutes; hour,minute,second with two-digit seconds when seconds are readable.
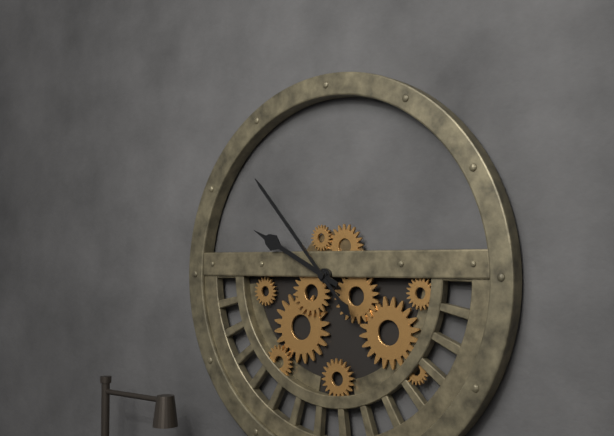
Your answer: 9,53
